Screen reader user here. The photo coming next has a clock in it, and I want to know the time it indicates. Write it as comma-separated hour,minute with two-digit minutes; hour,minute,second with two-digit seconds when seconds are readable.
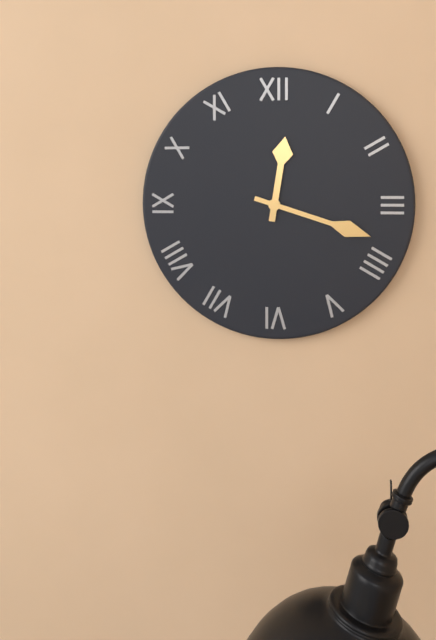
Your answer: 12,18
